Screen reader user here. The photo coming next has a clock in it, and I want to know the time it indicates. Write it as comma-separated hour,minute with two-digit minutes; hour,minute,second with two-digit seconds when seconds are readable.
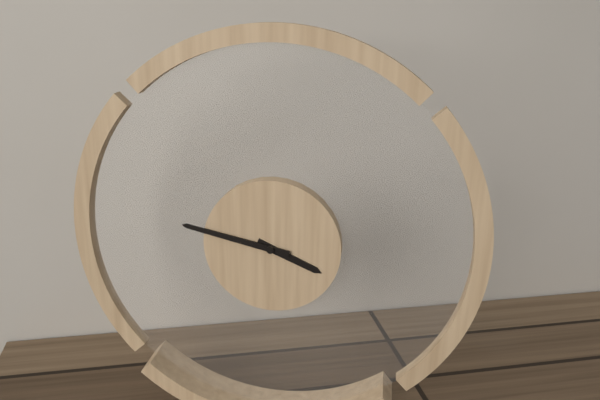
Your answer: 3,47
